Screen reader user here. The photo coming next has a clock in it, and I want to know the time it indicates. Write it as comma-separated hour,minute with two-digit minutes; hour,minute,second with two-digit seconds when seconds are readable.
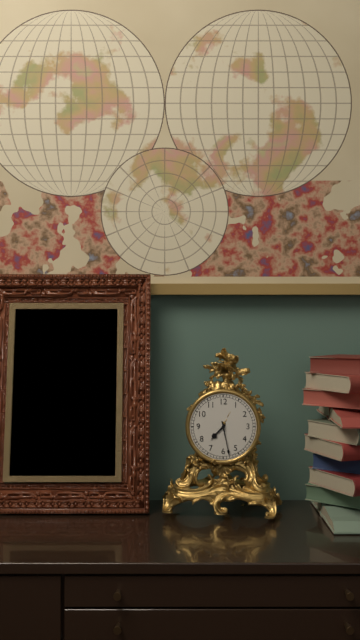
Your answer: 7,28
